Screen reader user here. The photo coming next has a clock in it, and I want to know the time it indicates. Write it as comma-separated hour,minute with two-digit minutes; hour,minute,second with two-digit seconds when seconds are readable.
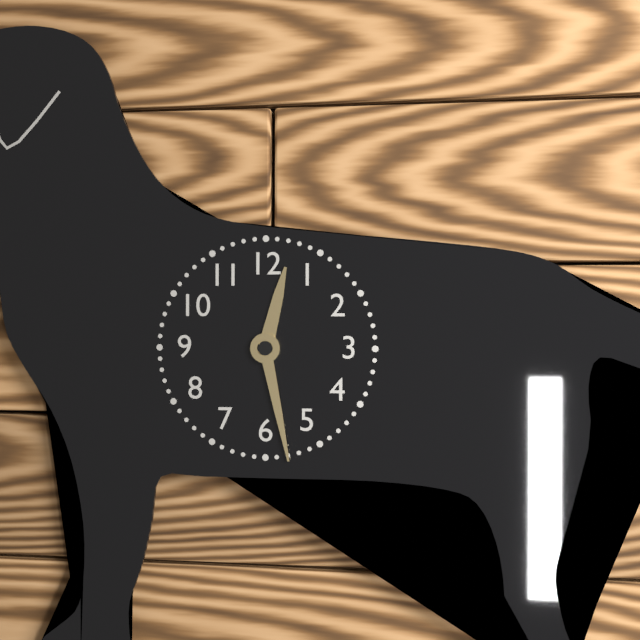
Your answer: 12,28
